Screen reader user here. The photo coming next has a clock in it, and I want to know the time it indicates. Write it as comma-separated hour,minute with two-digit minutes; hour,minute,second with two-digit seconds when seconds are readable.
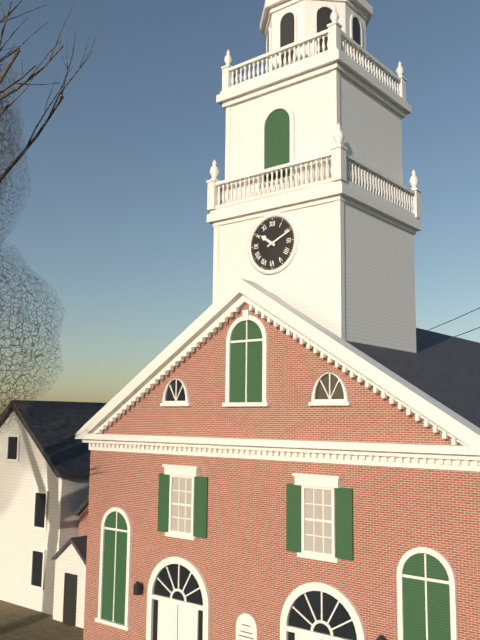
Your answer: 10,11
